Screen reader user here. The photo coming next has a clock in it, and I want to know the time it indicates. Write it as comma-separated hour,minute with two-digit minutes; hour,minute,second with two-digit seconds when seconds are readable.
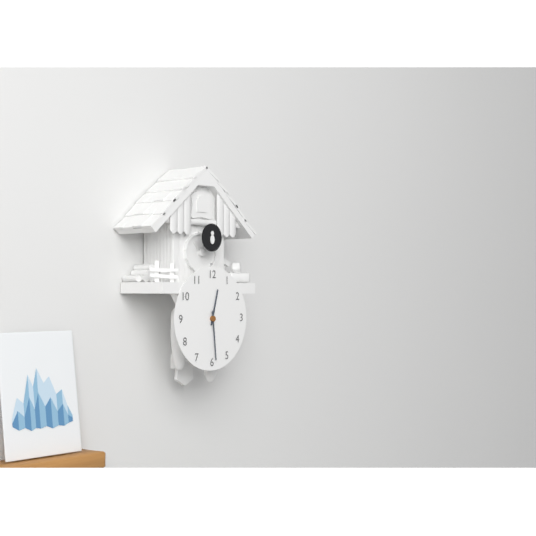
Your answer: 12,29
